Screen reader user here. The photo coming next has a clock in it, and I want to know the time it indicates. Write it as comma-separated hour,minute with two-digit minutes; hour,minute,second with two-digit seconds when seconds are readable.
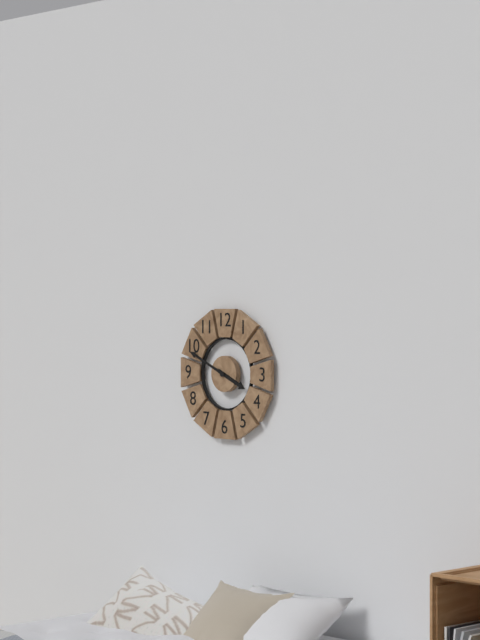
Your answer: 3,49
